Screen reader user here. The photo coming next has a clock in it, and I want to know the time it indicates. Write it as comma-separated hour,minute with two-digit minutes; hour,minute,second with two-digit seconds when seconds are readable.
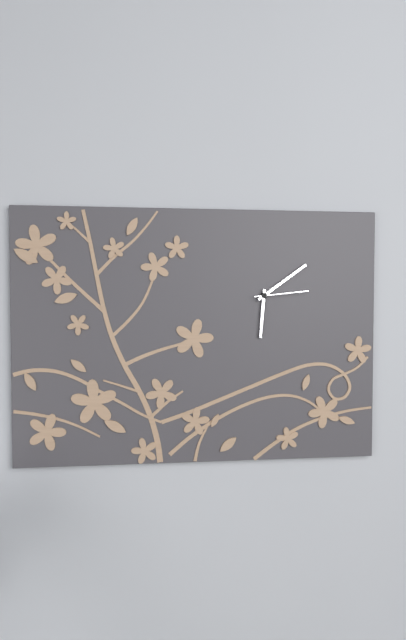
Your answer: 6,09,14
